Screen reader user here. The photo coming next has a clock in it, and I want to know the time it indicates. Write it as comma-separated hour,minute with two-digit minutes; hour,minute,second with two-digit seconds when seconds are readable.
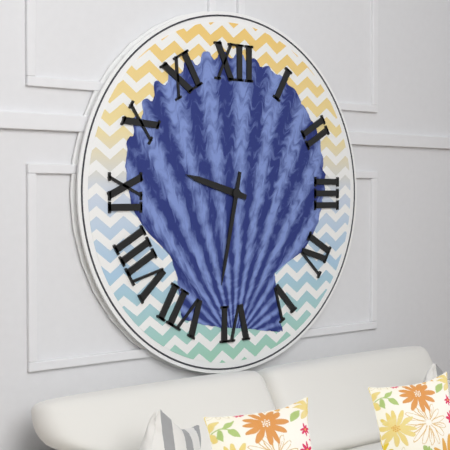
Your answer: 9,32
